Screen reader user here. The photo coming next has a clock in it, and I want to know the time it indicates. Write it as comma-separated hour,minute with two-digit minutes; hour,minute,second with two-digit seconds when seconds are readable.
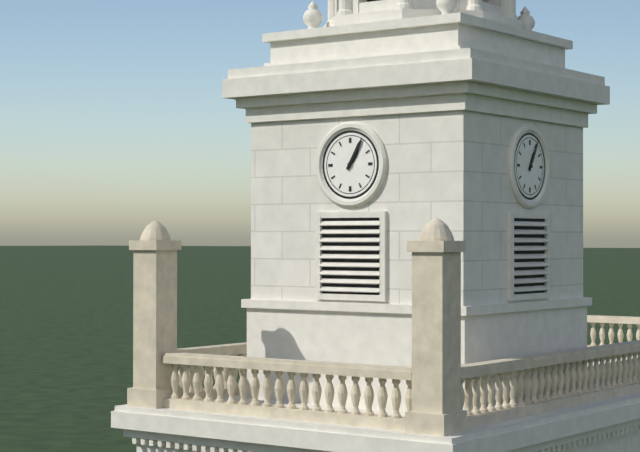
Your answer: 1,05
